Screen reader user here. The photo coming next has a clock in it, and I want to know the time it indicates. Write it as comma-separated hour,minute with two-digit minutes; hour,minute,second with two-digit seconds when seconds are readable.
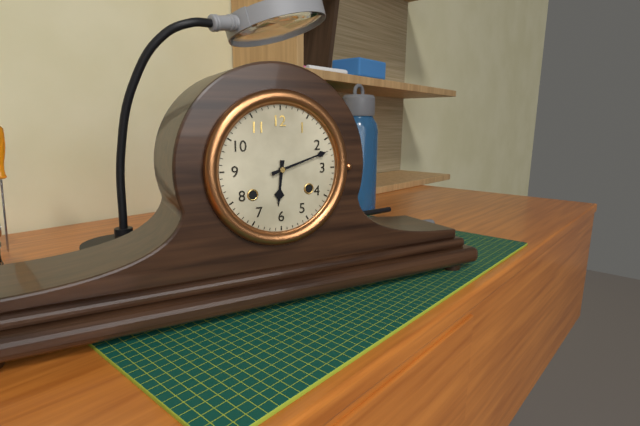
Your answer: 6,12
